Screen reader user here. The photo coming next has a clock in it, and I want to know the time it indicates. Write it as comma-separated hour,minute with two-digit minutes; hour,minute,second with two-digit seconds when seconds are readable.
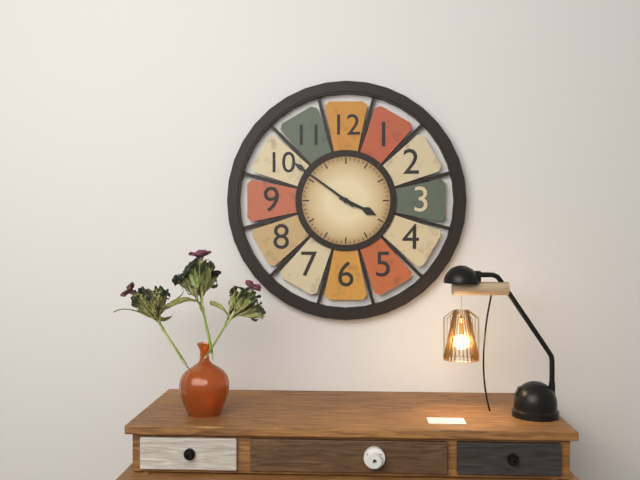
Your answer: 3,51
